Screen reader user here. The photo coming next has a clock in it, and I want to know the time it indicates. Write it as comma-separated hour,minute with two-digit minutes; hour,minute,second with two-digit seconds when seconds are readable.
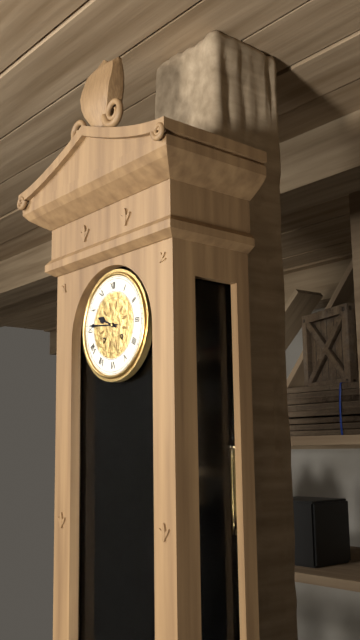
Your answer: 9,46
